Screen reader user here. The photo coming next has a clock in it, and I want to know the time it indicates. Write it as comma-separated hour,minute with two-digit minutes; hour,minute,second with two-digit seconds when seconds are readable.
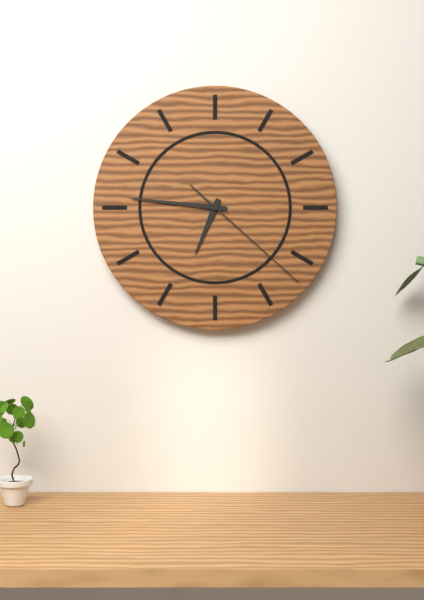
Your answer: 6,46,22
